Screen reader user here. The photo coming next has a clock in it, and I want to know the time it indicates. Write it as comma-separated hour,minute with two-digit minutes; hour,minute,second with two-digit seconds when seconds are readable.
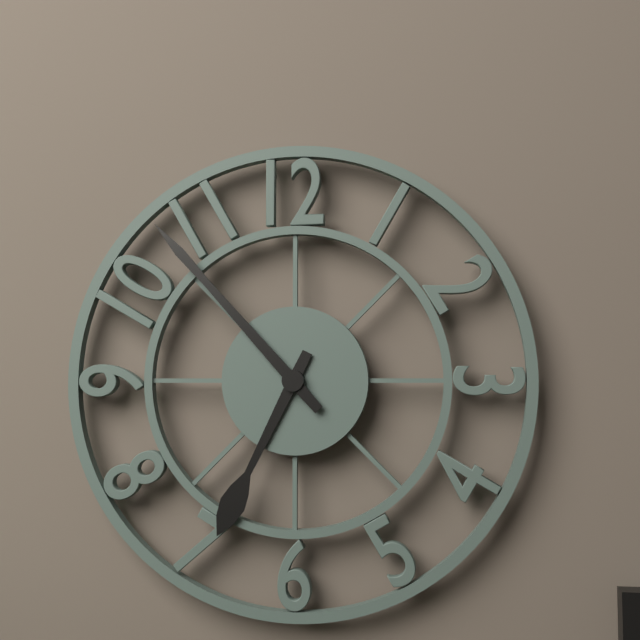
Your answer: 6,53
